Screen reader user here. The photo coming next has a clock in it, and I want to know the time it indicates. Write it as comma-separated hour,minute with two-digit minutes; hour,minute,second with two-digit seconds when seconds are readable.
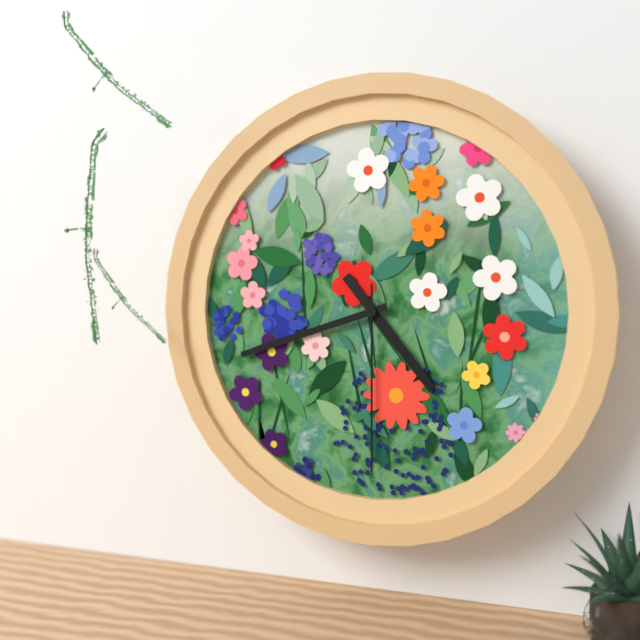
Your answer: 4,42,30
